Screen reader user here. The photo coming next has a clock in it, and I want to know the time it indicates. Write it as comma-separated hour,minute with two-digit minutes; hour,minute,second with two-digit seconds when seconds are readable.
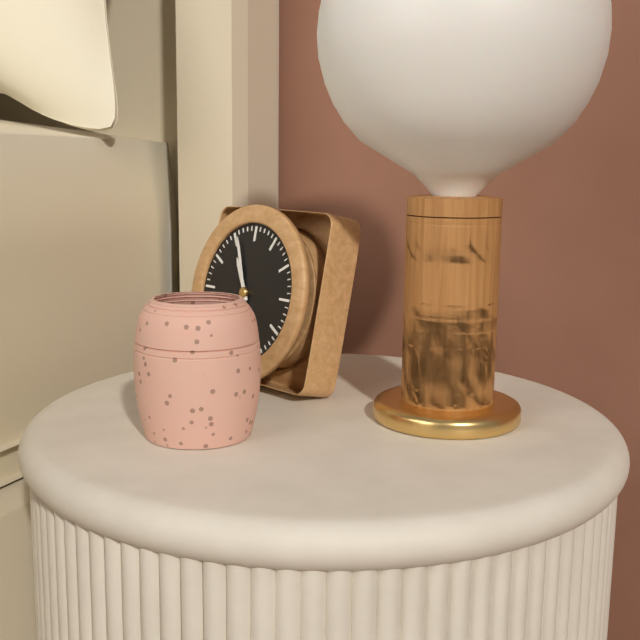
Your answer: 10,56
